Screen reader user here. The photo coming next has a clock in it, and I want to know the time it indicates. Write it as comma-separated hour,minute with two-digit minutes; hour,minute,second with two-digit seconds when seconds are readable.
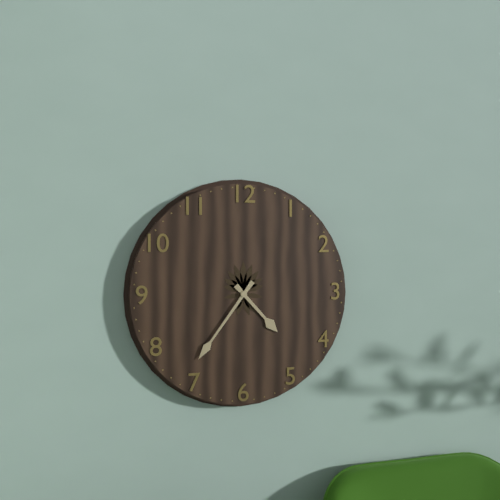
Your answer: 4,36
